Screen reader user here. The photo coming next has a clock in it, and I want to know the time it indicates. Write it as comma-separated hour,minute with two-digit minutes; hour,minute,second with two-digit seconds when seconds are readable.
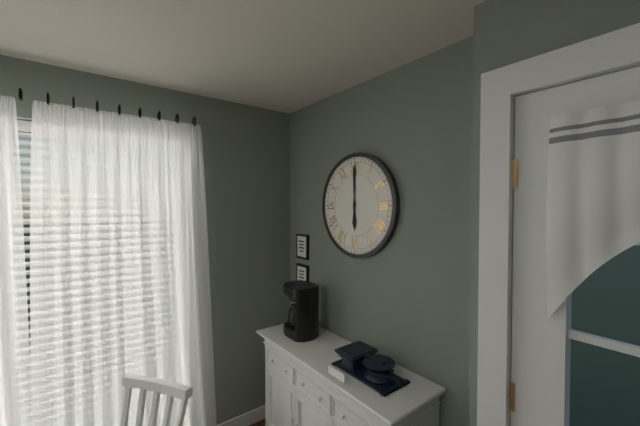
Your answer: 6,00
